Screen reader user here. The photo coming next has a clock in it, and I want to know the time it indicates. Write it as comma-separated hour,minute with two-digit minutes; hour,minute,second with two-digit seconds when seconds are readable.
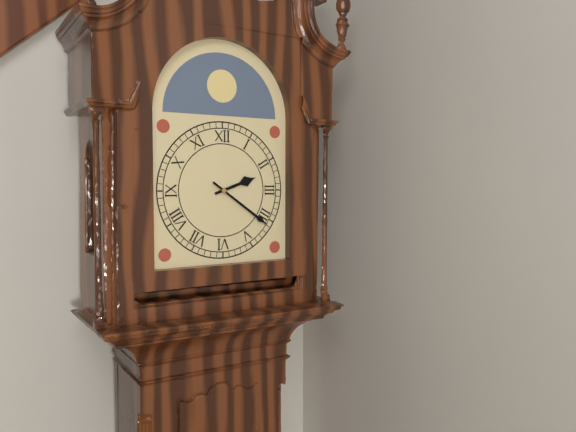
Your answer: 2,21
